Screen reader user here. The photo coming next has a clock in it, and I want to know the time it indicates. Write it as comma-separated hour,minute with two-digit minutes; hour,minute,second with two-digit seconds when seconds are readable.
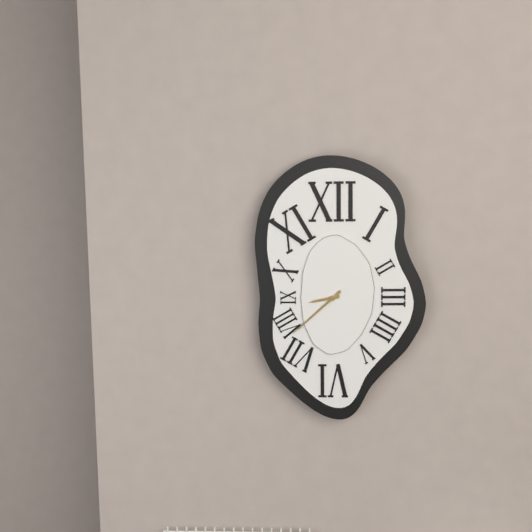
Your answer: 8,38
